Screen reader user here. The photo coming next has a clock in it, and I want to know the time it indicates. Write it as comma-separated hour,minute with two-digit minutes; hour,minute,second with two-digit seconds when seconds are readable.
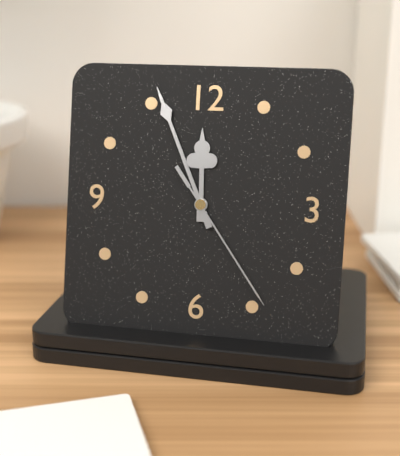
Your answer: 11,56,24
